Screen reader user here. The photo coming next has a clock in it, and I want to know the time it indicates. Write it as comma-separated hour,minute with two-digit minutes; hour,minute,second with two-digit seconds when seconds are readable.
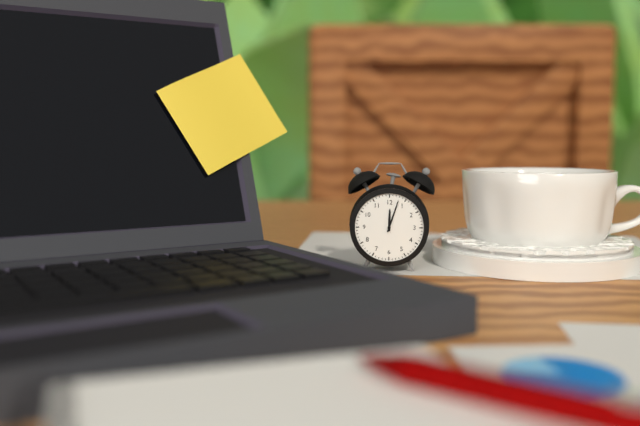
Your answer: 12,03
